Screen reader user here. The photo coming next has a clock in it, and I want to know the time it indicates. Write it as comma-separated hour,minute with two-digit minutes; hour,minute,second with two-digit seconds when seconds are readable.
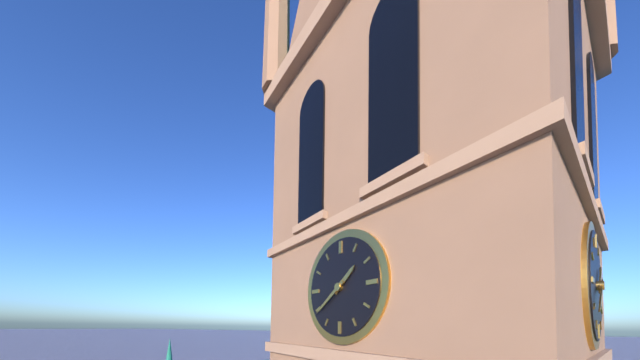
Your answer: 1,39
